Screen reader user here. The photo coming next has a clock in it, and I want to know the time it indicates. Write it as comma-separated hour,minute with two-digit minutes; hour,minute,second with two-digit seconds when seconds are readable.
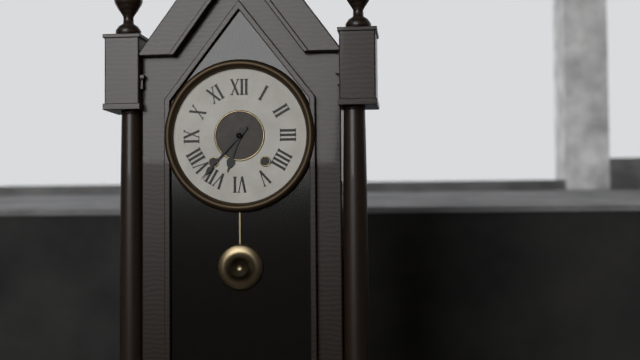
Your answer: 6,37
